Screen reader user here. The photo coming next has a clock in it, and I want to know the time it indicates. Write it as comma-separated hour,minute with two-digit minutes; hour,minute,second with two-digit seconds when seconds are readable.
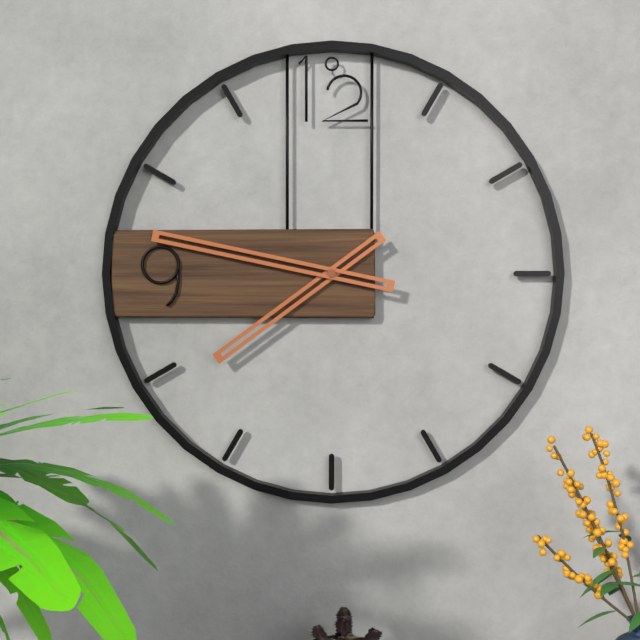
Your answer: 7,47
